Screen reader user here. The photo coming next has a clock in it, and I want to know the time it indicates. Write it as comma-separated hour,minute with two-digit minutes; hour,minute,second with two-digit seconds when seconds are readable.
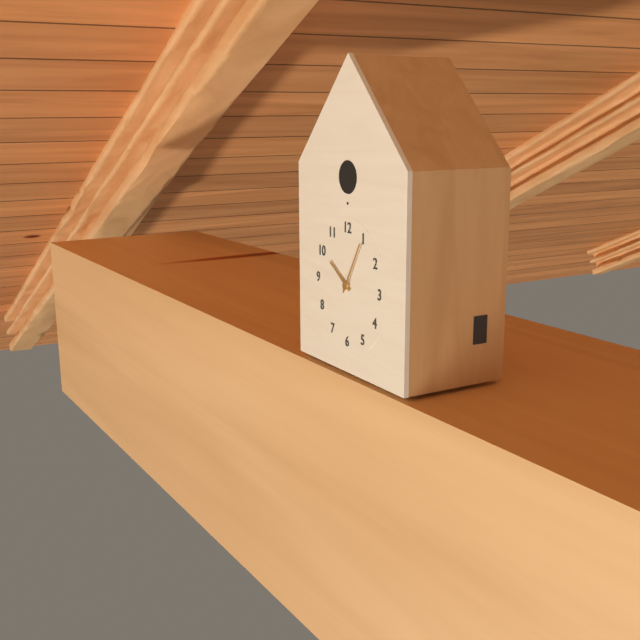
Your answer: 10,05
